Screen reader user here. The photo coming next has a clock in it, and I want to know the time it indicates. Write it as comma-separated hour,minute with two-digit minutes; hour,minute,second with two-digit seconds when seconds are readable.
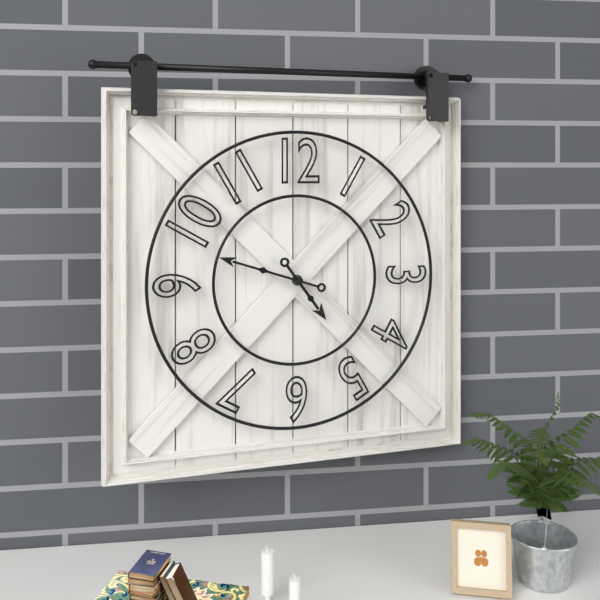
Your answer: 4,48
